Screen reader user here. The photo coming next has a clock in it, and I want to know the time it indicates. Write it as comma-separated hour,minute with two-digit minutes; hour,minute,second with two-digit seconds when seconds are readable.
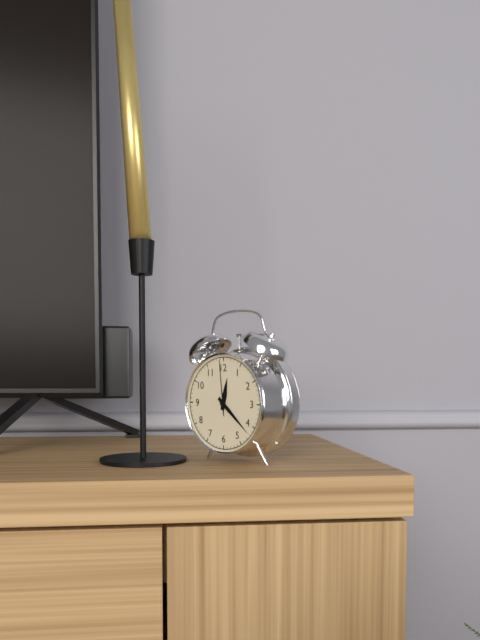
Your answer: 12,22,59
